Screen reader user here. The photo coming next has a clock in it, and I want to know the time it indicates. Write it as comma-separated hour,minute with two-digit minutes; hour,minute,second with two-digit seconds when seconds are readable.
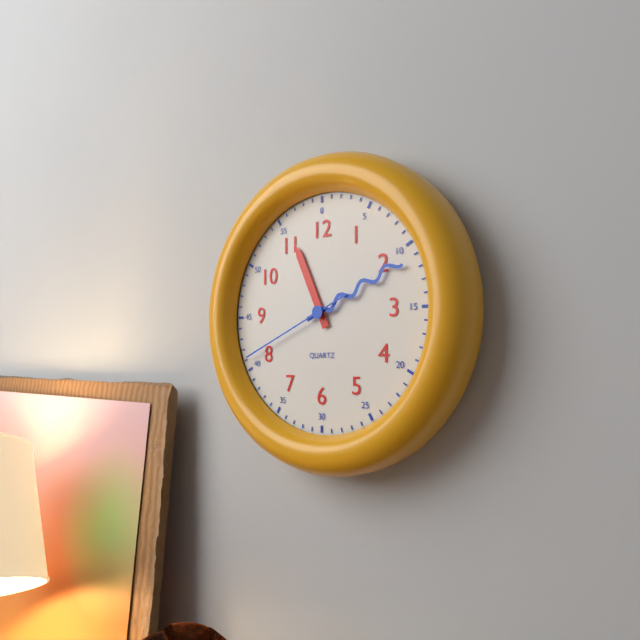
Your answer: 11,11,41
